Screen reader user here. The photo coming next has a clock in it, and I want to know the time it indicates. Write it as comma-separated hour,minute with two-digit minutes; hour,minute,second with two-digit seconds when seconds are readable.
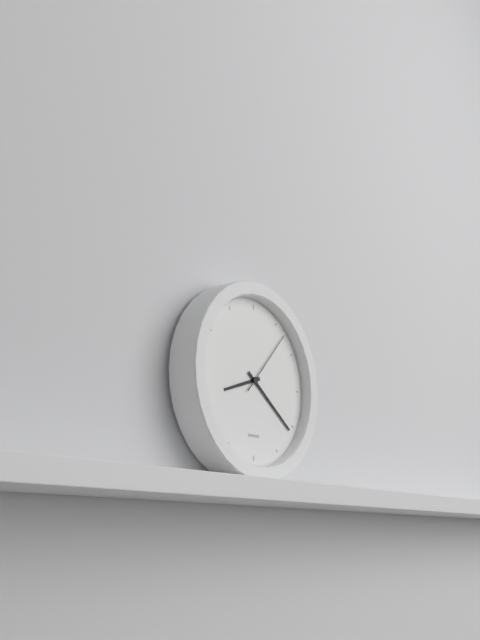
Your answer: 8,21,07
